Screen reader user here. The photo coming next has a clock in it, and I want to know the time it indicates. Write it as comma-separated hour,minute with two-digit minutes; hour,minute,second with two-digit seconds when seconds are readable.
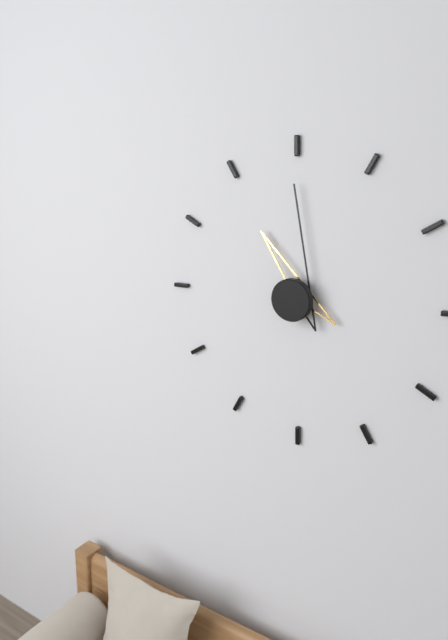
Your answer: 11,00
